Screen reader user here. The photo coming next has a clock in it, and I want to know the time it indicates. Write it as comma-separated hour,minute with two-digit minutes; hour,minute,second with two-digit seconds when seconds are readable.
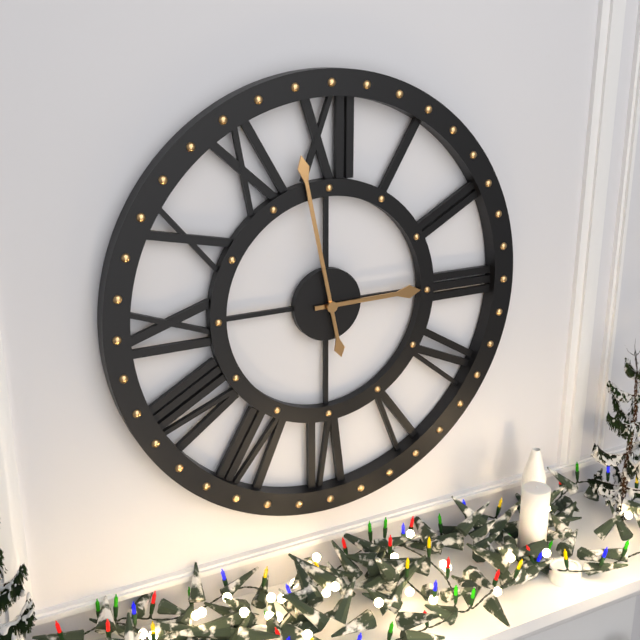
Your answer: 2,58
